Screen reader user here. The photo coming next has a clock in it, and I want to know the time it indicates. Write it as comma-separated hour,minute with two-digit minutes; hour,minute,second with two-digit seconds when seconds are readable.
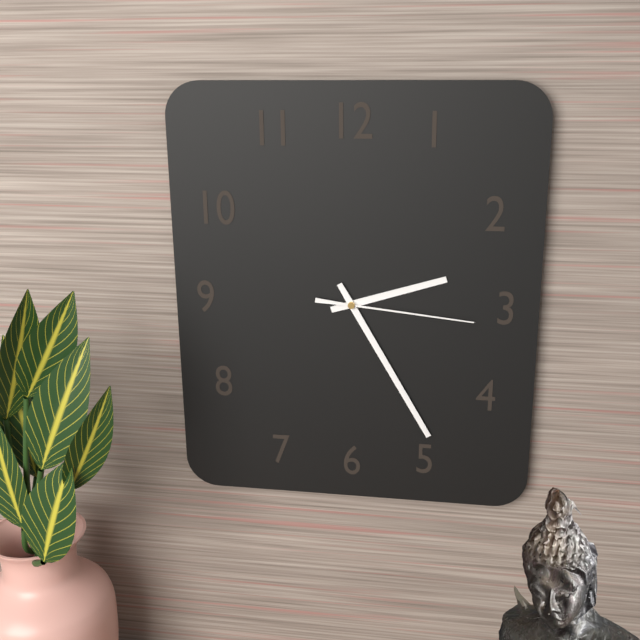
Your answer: 2,25,16
